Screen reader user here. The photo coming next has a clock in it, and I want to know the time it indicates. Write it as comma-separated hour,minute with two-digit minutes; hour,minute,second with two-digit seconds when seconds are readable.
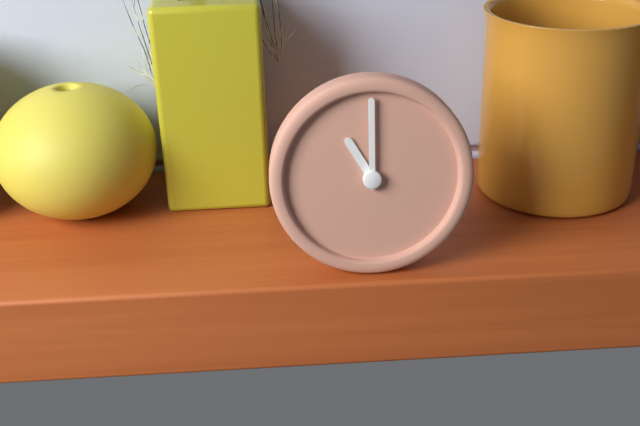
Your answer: 11,00
